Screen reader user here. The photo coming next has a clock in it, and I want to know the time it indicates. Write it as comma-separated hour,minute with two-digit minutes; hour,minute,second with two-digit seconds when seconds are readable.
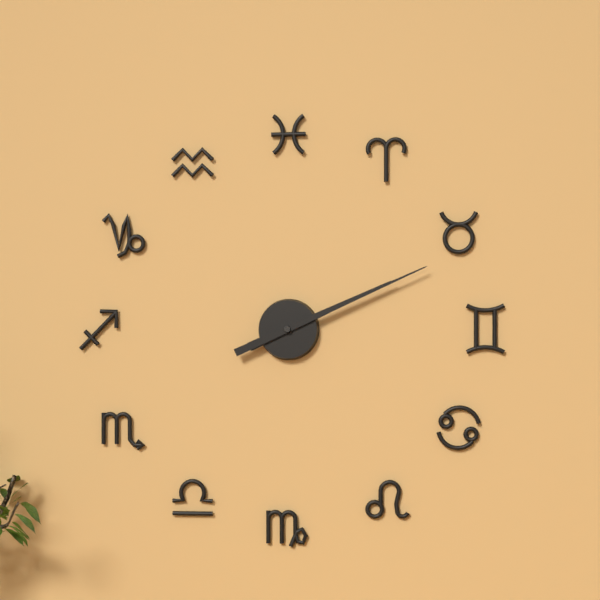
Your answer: 2,11
